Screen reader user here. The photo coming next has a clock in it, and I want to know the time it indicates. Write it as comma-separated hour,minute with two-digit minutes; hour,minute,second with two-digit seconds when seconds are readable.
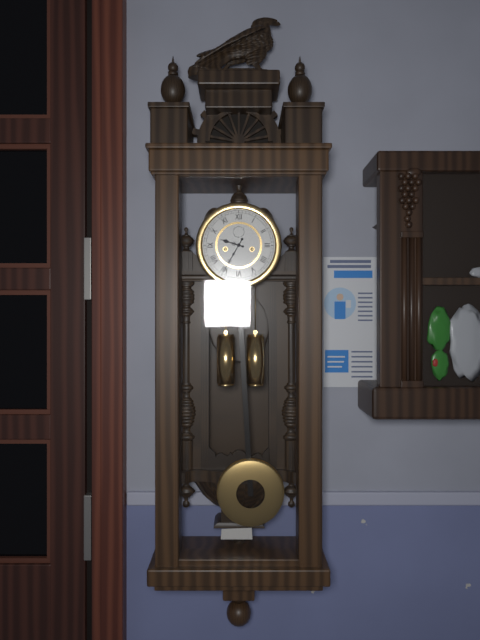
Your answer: 9,35
